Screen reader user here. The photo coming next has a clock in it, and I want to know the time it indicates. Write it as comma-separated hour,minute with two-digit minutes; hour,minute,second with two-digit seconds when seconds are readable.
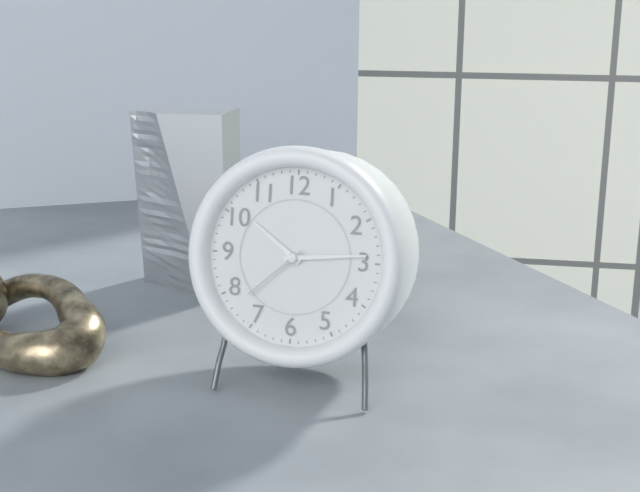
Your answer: 10,14,38
